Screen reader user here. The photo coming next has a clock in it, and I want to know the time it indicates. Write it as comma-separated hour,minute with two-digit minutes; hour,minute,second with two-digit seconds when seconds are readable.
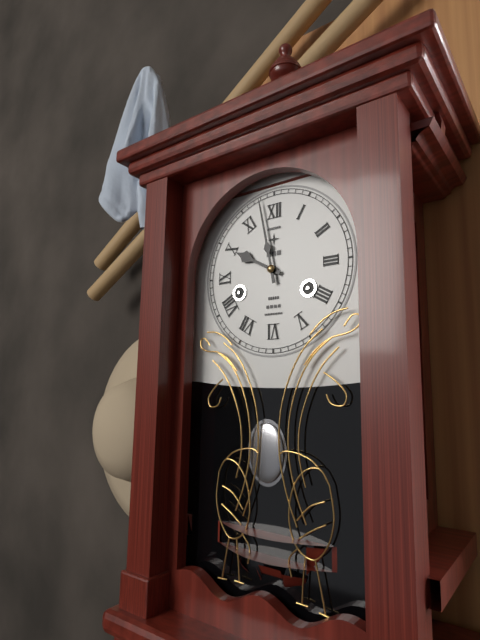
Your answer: 9,58
